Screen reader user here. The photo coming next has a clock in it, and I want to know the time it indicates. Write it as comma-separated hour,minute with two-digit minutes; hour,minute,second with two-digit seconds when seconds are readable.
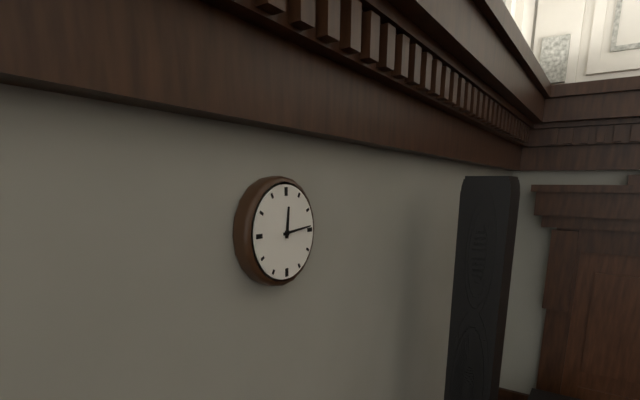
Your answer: 12,14
